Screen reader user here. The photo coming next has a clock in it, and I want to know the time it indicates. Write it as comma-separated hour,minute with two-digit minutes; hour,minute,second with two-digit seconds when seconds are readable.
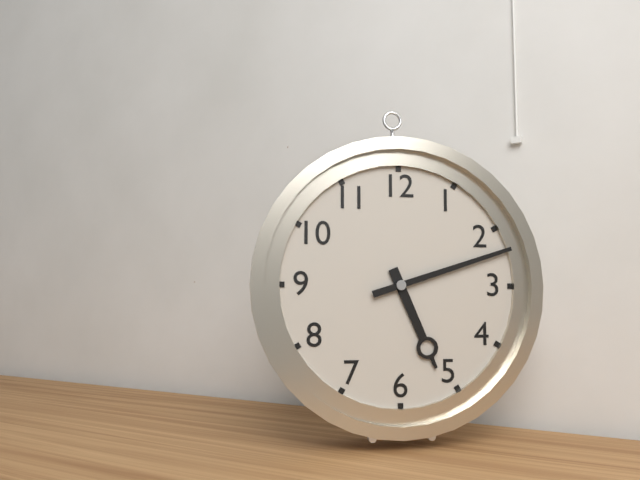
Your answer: 5,12
